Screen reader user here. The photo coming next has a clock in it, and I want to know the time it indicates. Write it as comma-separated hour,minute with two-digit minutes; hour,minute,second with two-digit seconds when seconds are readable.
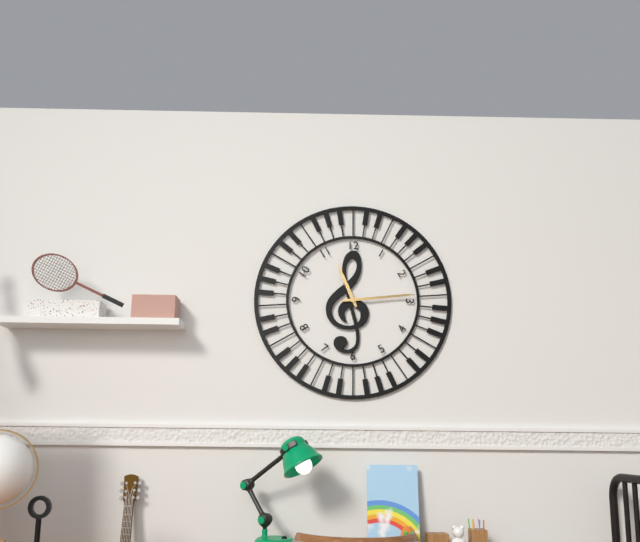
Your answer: 11,14
